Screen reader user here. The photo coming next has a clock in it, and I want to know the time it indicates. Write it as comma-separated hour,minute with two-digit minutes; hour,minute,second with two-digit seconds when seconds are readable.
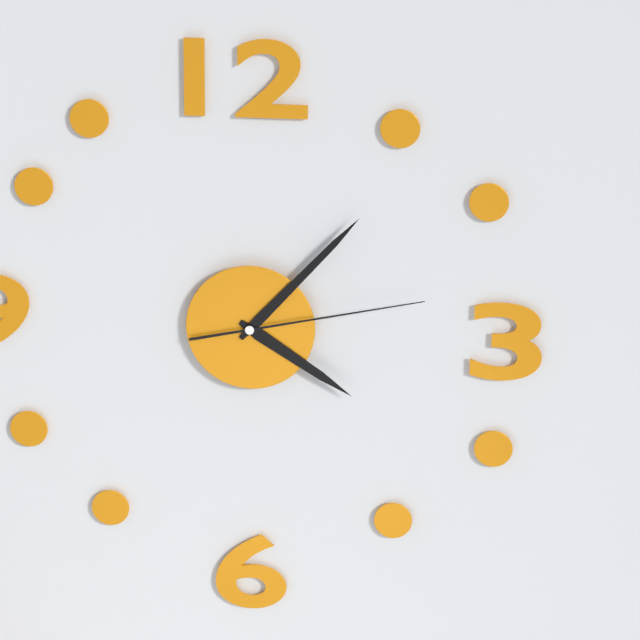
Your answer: 4,07,13
